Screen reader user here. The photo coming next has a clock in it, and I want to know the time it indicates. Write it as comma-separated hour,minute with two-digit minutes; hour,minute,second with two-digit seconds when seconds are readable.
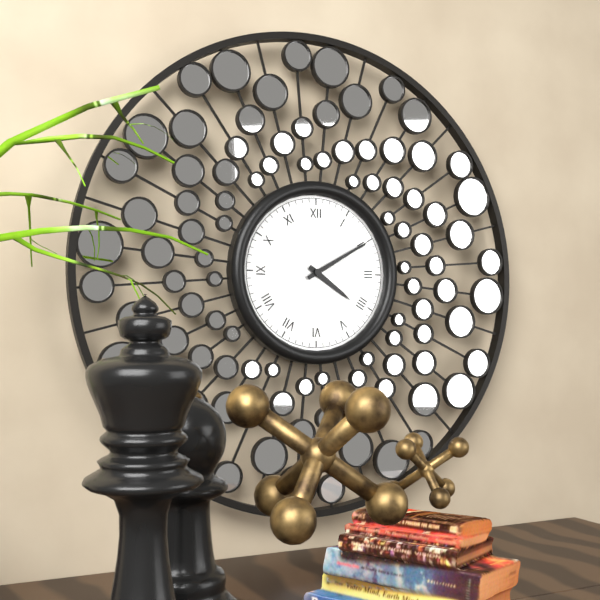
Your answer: 4,10
